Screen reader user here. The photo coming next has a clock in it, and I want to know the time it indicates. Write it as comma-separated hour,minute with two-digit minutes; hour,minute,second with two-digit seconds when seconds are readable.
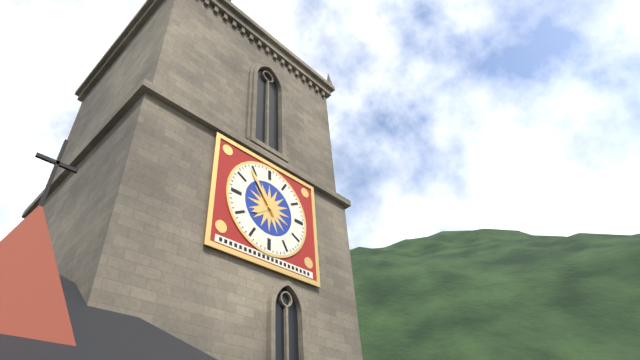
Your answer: 7,54
